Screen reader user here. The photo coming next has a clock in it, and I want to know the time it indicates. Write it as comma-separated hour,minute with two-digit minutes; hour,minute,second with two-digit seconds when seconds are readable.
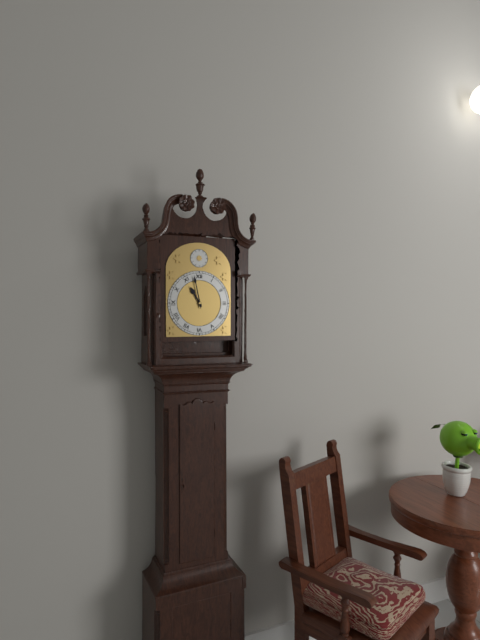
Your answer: 10,58
